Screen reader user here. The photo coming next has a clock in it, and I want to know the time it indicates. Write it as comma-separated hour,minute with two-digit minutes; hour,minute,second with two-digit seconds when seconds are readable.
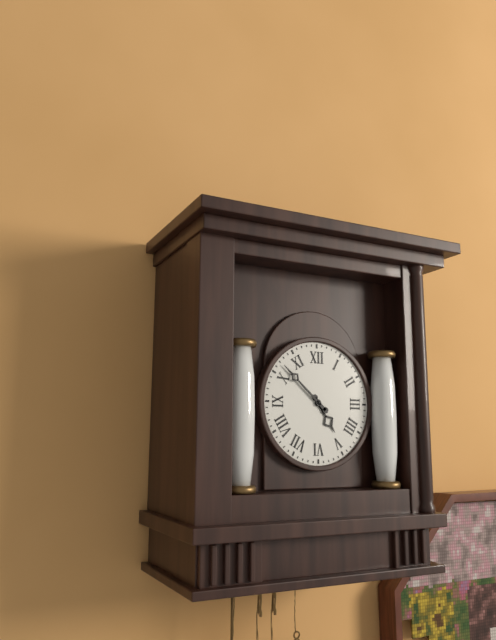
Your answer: 4,52
